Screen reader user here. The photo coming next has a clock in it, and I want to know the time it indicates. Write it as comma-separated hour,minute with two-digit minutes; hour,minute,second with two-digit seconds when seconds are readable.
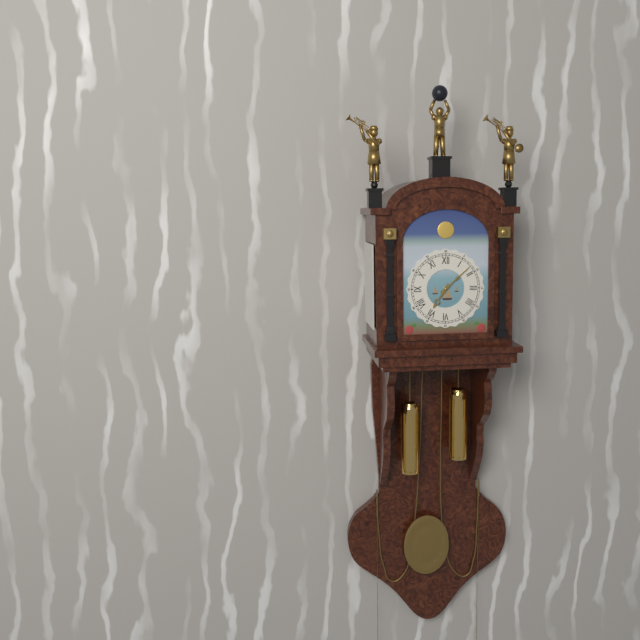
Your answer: 7,08
